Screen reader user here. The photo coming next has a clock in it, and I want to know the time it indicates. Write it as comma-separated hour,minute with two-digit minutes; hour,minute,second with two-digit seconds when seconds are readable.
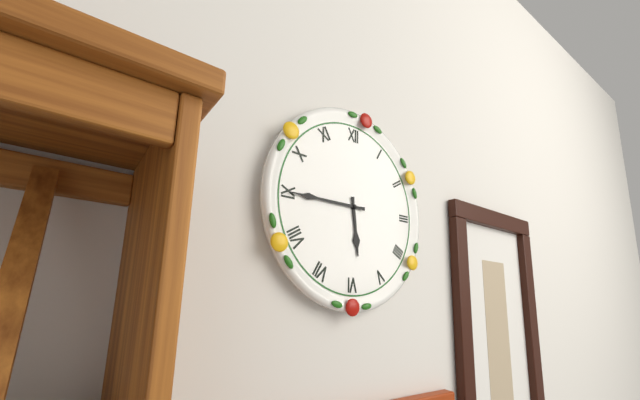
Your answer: 5,45
